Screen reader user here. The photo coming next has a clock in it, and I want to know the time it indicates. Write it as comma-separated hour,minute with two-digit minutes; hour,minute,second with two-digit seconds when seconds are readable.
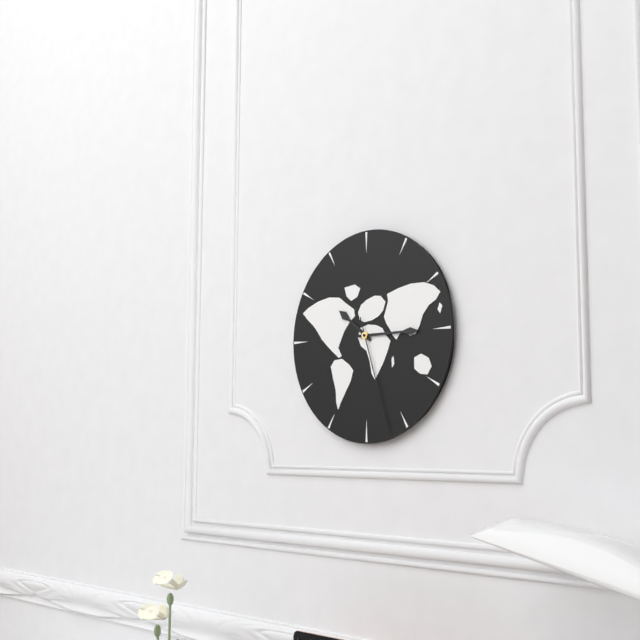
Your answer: 10,15,27
